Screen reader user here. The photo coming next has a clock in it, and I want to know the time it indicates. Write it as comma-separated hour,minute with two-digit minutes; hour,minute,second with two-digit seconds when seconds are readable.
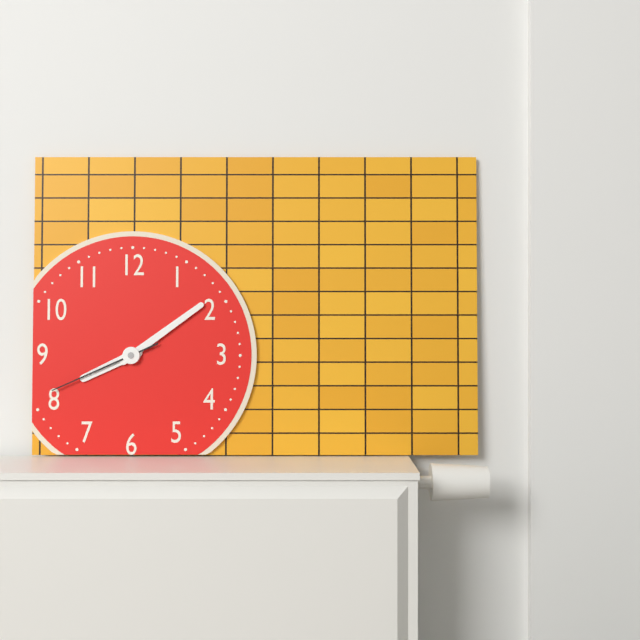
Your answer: 8,09,41
